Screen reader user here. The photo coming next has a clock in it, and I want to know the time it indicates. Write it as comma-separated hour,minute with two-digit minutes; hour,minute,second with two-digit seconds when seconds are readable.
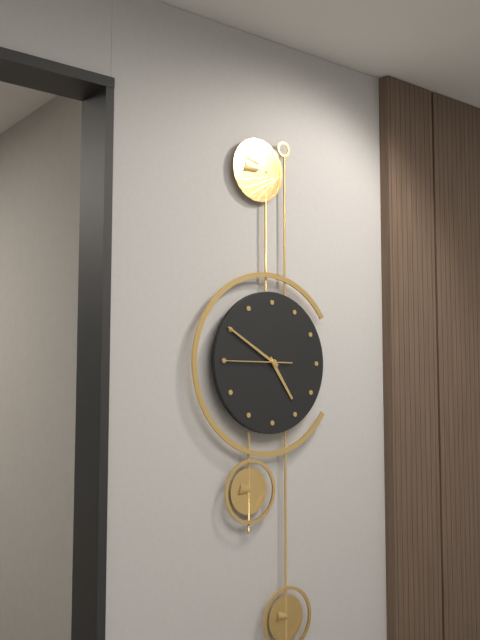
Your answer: 4,50,45
